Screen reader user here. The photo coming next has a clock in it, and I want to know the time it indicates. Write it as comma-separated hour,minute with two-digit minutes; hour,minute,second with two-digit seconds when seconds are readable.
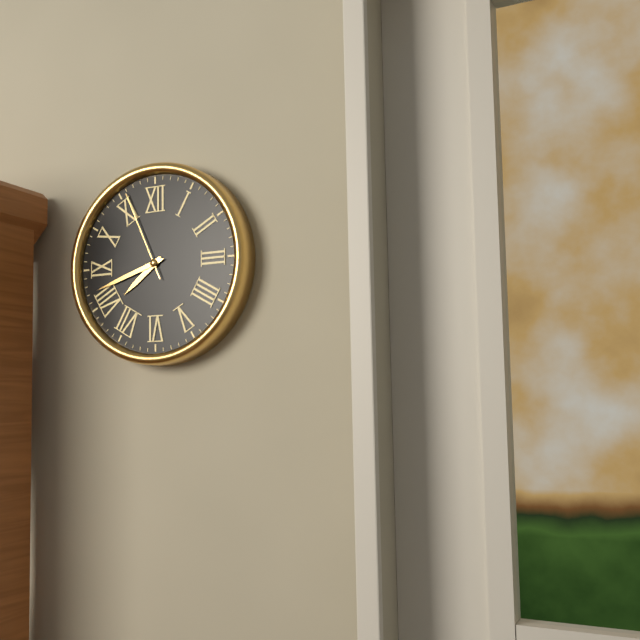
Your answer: 7,42,56
